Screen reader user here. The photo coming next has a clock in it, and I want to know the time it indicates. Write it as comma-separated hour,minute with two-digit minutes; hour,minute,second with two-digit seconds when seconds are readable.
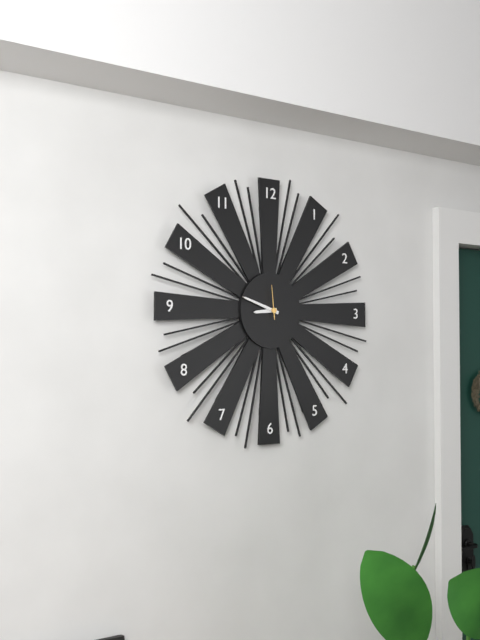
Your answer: 8,48
